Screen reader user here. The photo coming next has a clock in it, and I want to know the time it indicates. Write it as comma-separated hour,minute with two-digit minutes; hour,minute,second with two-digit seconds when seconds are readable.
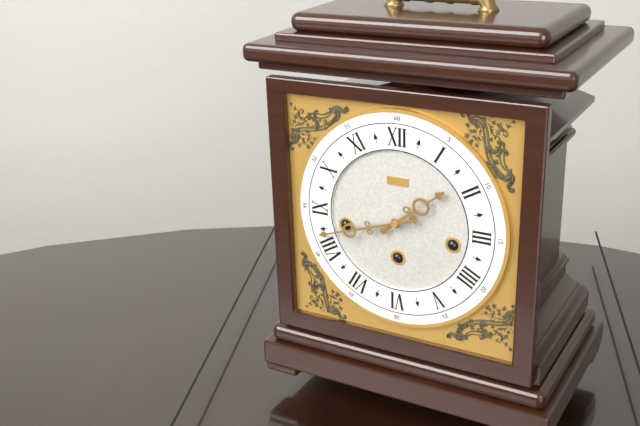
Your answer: 1,42
